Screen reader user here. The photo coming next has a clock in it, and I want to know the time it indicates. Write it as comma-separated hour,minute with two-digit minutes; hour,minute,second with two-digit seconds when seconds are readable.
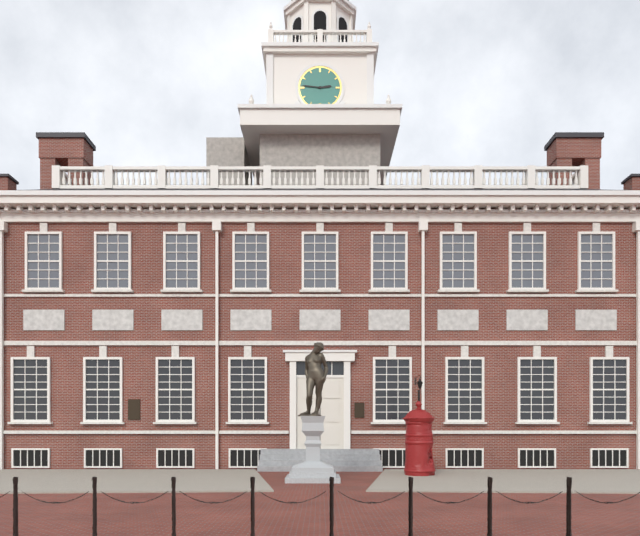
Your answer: 2,46
